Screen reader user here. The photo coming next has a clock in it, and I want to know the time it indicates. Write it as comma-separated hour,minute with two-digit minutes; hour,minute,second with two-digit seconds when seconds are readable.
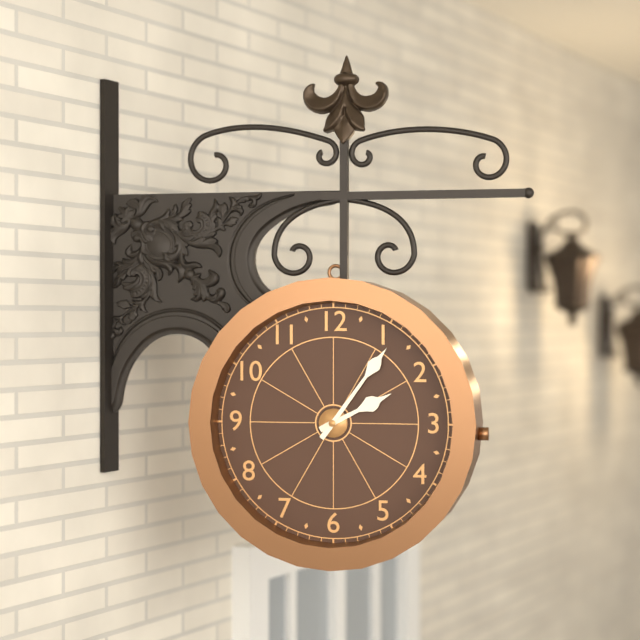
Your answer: 2,06
